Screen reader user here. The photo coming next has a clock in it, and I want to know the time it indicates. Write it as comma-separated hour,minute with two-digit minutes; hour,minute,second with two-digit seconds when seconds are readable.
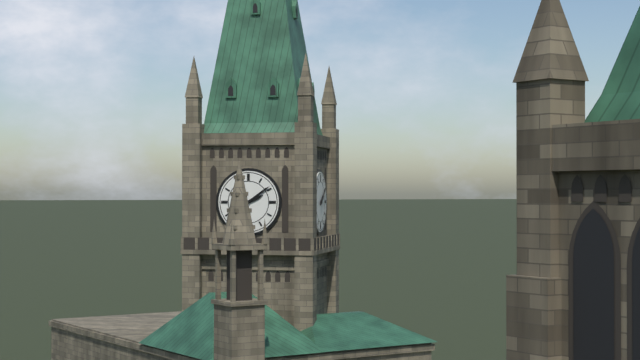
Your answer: 2,09
